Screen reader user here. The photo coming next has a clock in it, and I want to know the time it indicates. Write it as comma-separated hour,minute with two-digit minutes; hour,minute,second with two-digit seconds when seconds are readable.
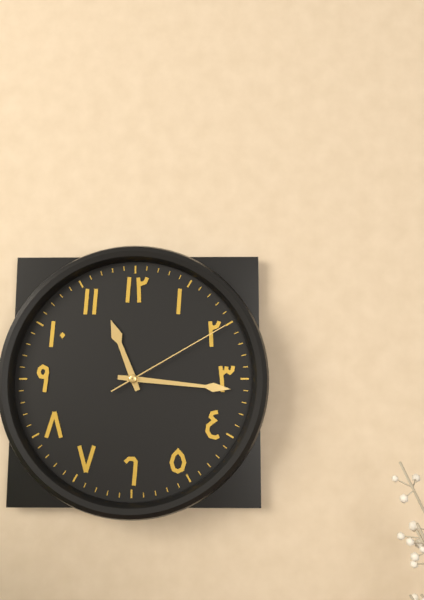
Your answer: 11,16,10
